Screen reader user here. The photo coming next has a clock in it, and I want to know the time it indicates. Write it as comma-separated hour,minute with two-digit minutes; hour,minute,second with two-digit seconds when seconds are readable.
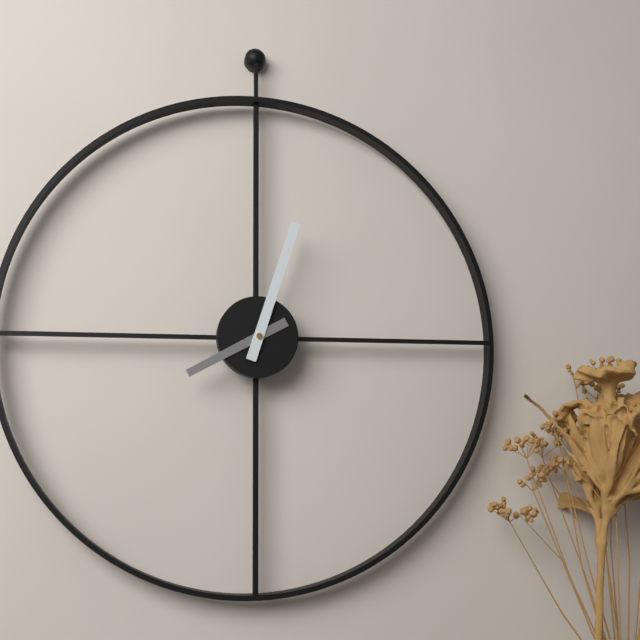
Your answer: 8,03
